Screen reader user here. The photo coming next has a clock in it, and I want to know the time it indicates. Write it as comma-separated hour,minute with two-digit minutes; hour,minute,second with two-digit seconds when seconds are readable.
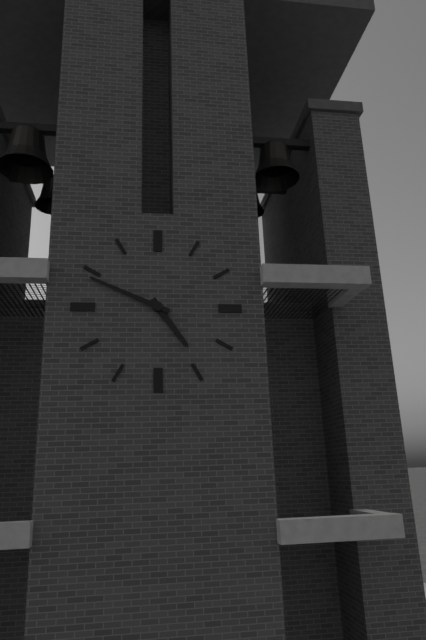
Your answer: 4,49
